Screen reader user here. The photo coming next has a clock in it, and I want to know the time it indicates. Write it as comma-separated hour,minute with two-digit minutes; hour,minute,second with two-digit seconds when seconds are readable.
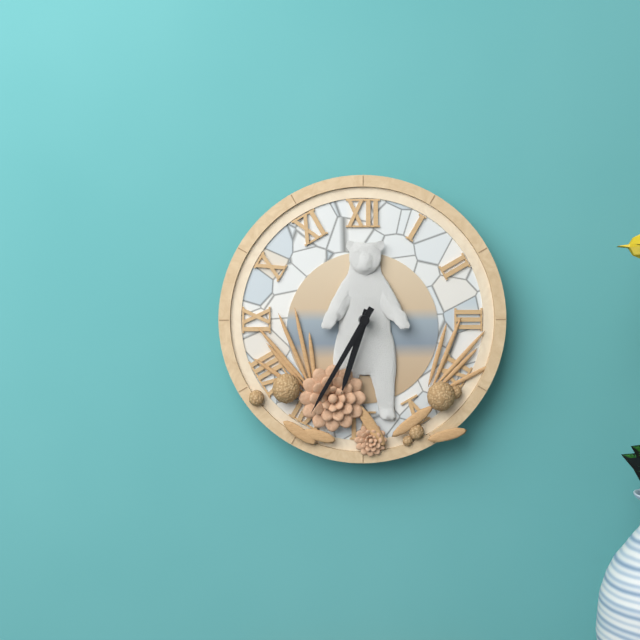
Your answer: 6,35
